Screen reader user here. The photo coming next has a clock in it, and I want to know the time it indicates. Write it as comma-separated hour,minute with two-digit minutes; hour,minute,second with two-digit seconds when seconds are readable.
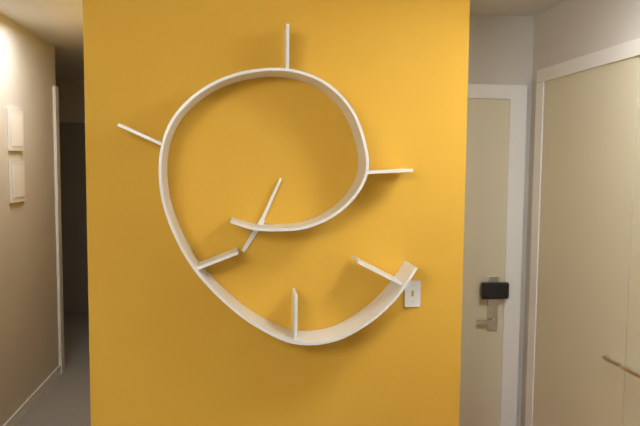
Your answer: 7,04
